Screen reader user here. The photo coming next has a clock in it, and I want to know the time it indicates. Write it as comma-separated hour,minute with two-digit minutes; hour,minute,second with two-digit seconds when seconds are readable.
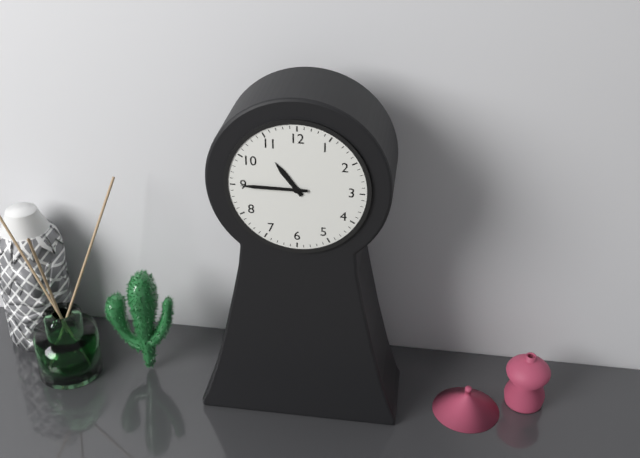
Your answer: 10,45
